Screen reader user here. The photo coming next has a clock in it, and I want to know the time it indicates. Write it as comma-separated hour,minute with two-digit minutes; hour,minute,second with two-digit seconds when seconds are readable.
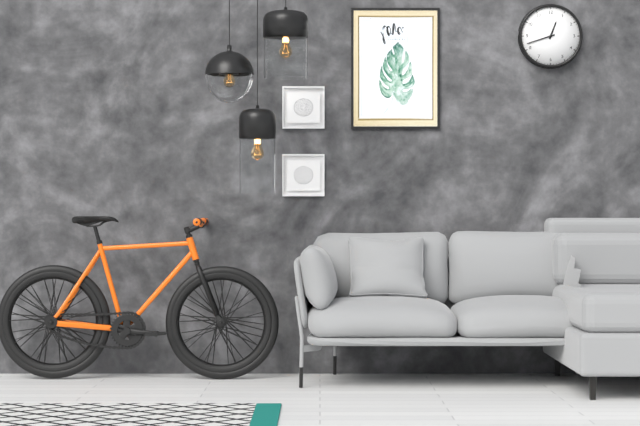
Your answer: 12,42
